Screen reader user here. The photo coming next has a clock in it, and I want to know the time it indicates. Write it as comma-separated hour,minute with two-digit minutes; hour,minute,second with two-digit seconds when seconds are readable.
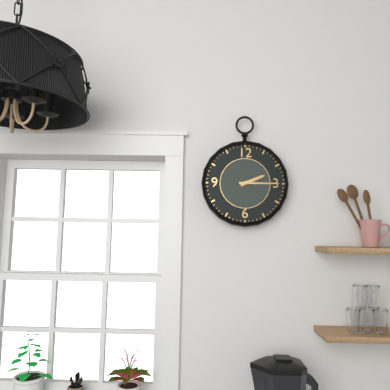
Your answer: 2,15
